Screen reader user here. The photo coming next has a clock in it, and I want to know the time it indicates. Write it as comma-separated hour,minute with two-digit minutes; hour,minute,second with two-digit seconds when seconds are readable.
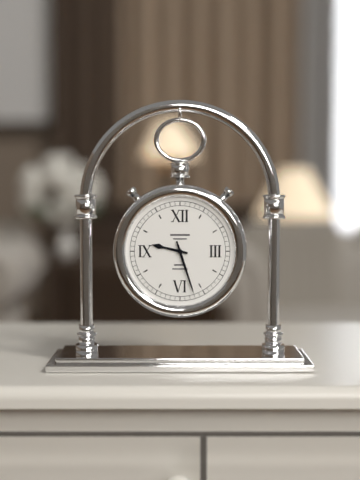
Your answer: 9,27
